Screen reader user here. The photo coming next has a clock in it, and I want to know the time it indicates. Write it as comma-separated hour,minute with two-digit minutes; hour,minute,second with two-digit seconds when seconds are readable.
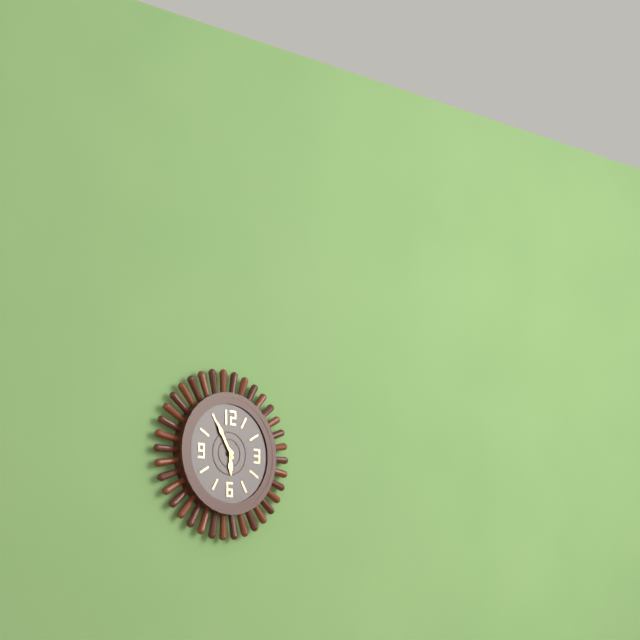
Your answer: 5,55
